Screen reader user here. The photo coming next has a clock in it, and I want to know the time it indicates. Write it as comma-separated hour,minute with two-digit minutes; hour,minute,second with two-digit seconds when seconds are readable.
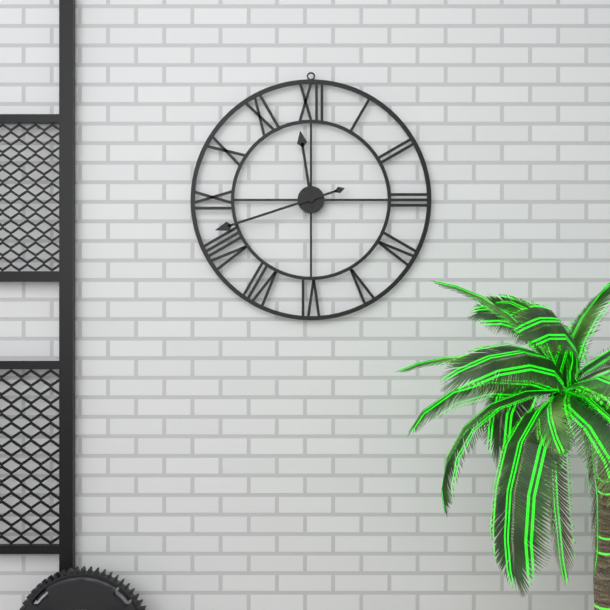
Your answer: 11,42
